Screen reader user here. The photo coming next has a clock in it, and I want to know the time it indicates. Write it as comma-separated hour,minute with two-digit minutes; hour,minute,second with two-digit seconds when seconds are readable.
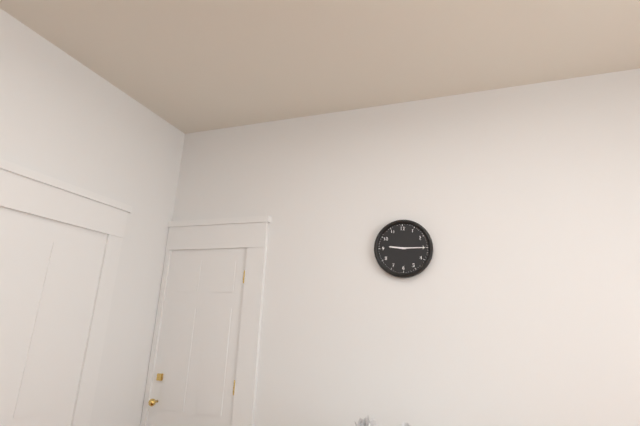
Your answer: 9,15
